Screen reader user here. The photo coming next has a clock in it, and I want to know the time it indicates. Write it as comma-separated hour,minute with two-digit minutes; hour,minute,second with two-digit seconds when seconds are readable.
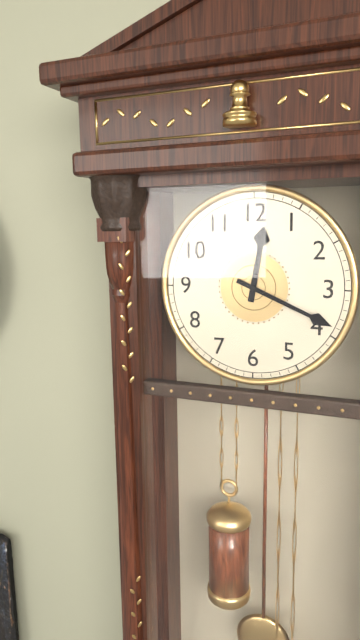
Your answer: 12,19
